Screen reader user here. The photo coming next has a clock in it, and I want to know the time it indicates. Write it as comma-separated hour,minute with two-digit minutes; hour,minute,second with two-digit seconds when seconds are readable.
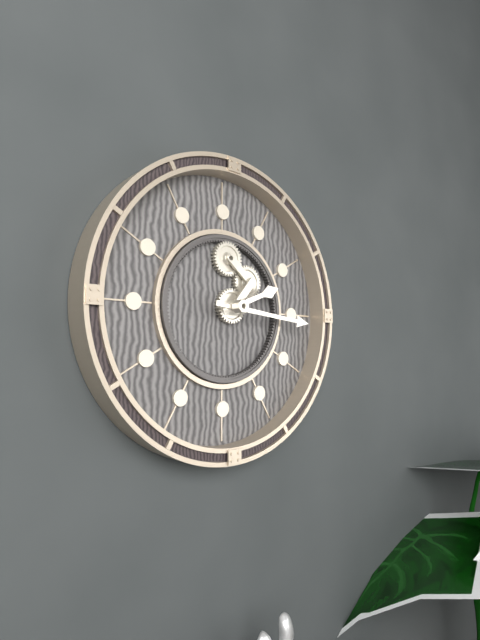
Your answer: 2,16
